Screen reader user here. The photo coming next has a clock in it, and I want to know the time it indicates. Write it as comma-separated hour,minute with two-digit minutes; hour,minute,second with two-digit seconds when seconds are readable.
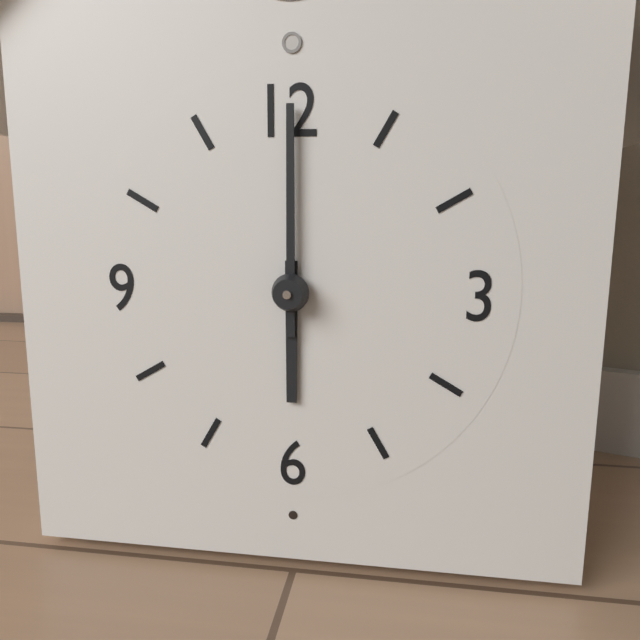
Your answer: 6,00
